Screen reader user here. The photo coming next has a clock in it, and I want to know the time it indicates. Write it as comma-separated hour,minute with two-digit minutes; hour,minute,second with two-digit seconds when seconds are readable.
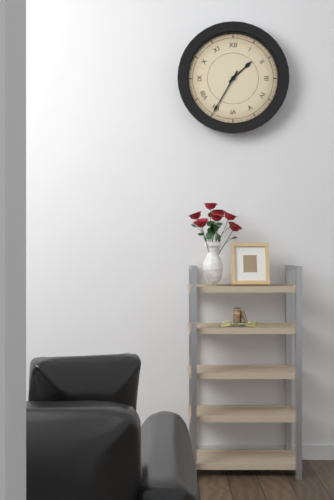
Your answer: 1,35
